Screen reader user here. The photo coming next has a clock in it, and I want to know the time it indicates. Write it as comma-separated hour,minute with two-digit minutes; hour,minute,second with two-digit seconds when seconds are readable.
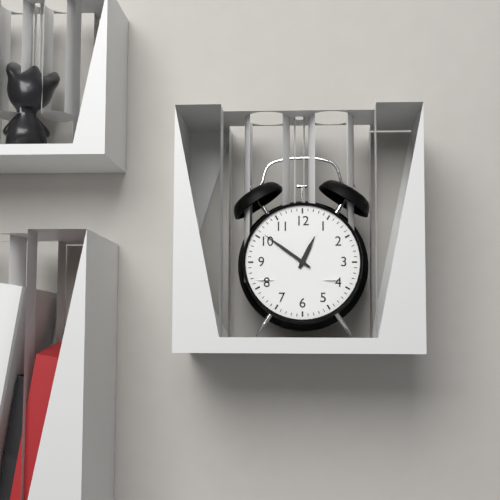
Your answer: 12,51
